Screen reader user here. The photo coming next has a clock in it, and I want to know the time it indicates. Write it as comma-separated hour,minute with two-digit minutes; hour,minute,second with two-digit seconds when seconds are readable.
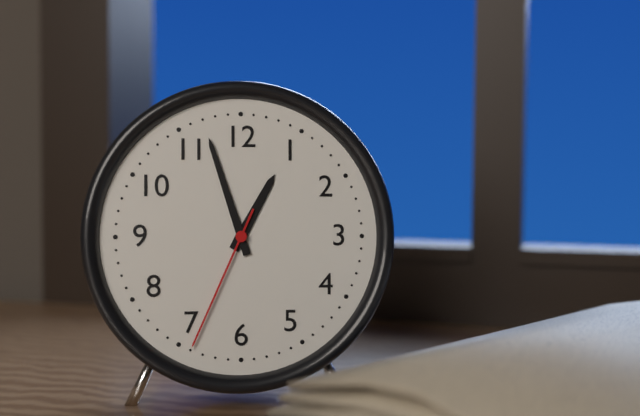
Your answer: 12,57,34
